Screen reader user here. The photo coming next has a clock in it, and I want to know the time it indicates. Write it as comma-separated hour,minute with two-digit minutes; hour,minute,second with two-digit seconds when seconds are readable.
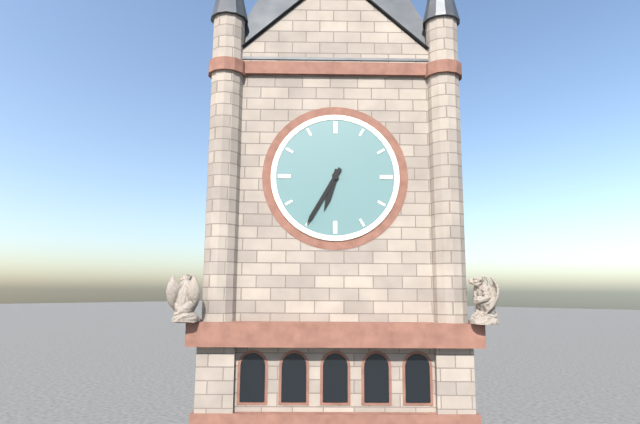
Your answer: 6,35
